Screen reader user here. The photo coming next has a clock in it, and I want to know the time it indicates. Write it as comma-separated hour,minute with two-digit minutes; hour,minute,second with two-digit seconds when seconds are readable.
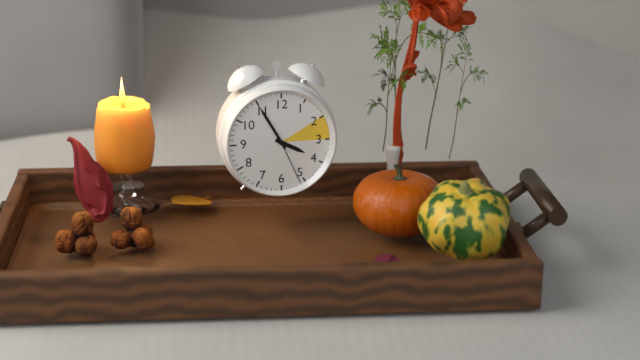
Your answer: 3,55,26
